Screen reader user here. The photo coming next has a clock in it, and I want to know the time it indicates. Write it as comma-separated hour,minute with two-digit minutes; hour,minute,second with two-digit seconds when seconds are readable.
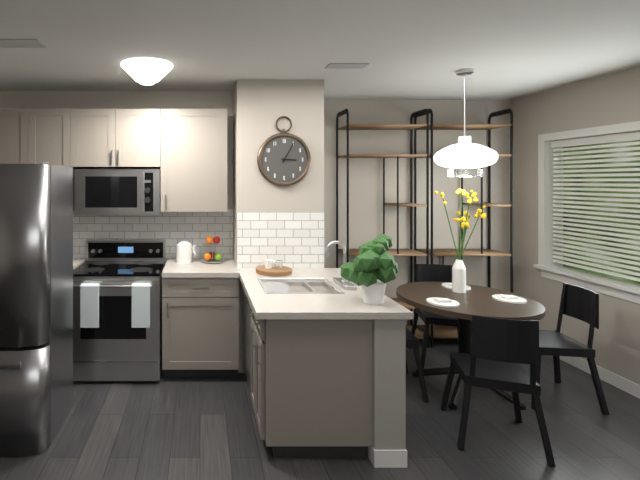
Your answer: 3,05
